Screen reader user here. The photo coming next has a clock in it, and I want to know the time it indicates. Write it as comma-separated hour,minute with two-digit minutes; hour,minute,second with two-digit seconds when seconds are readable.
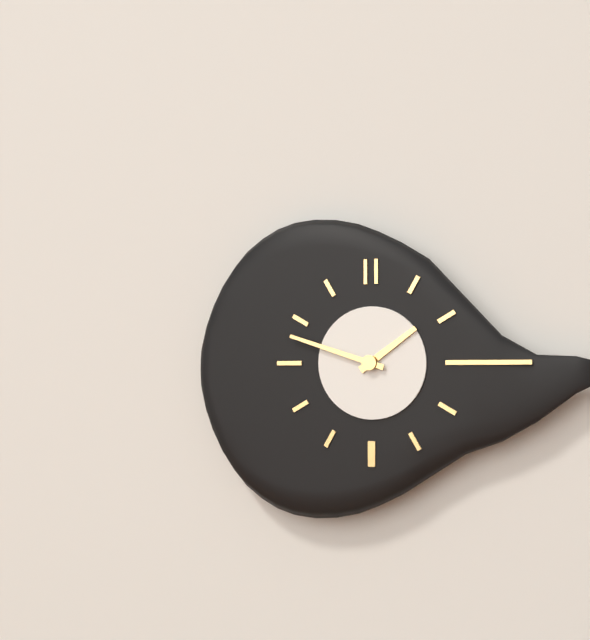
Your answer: 1,48
